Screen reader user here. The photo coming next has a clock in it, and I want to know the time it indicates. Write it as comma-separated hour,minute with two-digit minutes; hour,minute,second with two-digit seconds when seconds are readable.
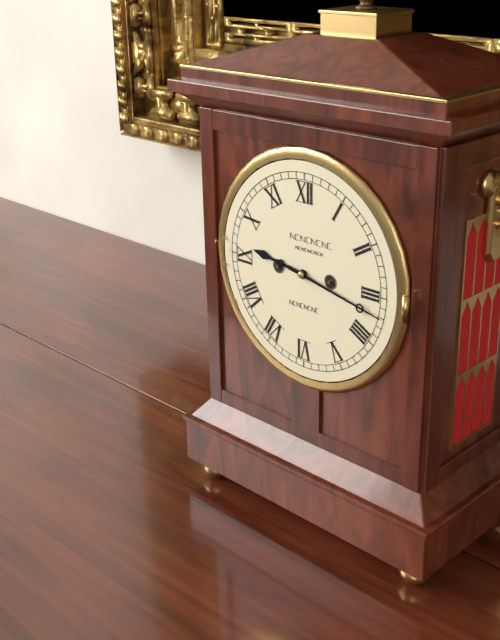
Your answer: 9,17
